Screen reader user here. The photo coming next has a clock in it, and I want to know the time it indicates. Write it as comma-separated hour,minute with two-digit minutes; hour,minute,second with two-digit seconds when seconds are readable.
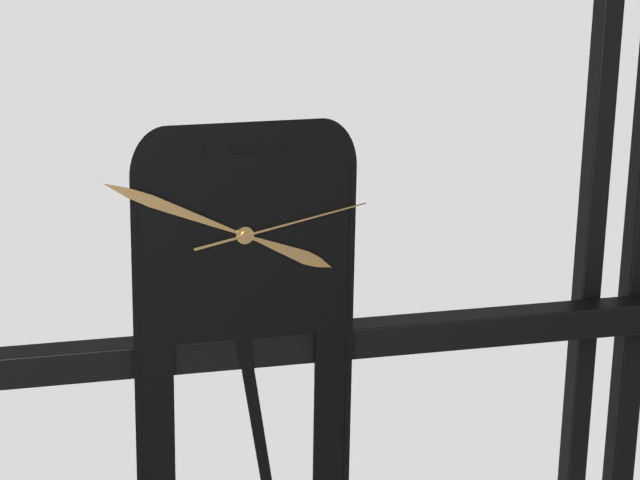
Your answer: 3,49,13
